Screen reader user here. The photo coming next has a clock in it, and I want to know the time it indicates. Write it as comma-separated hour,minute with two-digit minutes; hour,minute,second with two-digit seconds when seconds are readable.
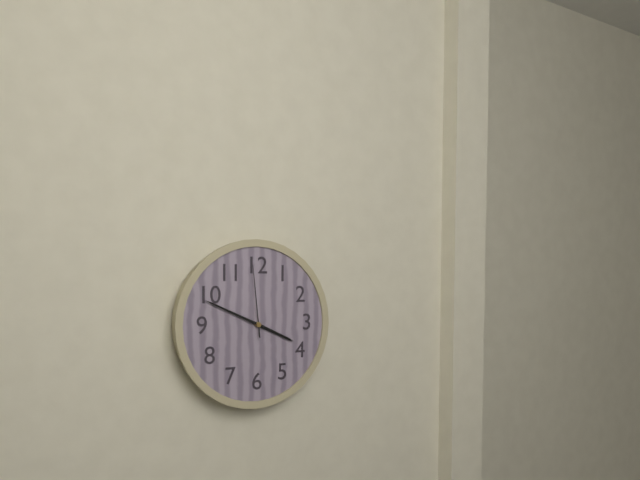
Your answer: 3,49,59
